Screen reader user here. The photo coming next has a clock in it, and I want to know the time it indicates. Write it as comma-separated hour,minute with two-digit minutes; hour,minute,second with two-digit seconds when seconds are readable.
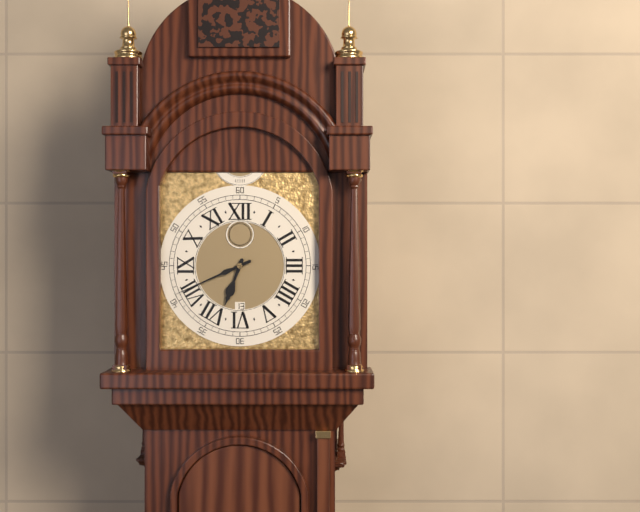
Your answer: 6,41
